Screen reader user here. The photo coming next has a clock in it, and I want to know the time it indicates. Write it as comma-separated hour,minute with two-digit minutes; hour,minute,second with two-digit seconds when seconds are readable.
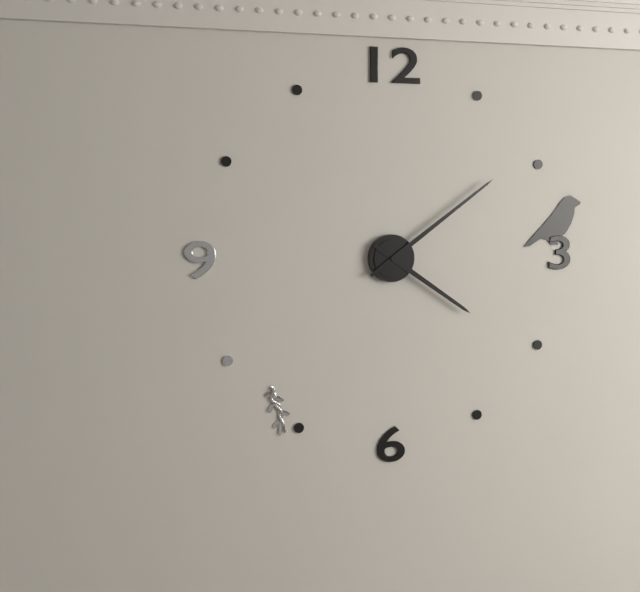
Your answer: 4,09
